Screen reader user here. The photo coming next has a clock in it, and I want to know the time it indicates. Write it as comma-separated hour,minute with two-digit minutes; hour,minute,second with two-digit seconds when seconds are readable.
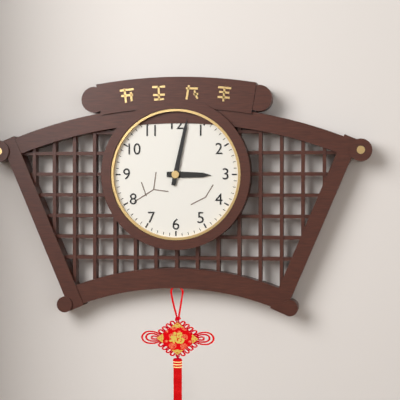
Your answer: 3,02
